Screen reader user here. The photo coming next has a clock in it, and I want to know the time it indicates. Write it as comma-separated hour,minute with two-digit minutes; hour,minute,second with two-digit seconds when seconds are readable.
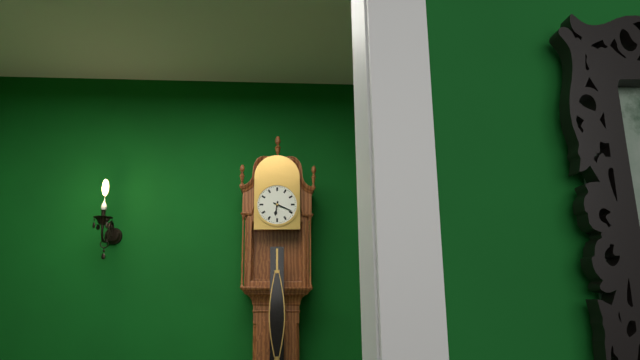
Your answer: 6,19
